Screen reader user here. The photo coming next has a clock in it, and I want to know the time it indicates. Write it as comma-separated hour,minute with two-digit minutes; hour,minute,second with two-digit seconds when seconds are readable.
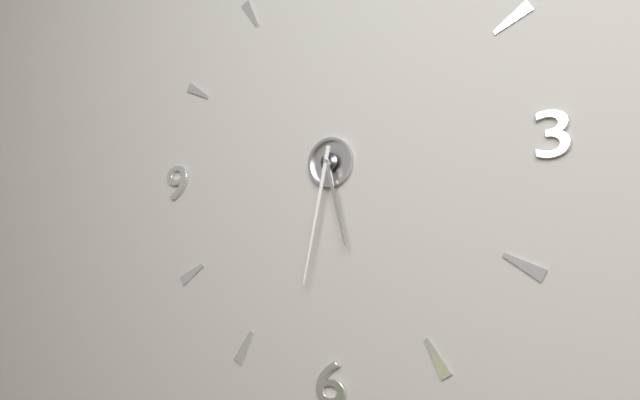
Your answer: 5,32
